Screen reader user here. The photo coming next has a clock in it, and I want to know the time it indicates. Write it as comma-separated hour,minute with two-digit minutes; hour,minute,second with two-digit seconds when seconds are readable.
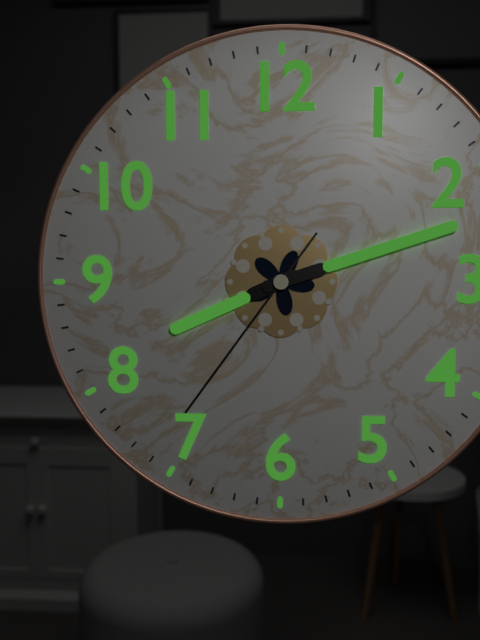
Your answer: 8,12,36
